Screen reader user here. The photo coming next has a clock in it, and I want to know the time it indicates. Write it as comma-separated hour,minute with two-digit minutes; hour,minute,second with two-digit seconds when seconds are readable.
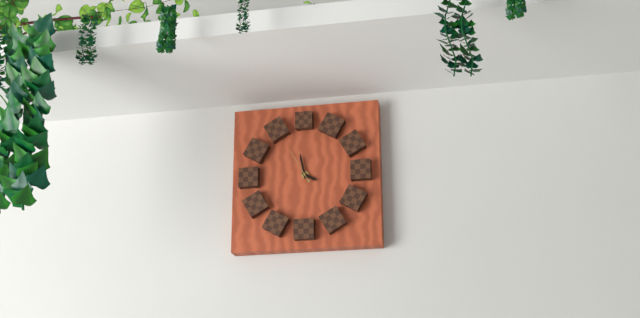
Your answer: 3,58
